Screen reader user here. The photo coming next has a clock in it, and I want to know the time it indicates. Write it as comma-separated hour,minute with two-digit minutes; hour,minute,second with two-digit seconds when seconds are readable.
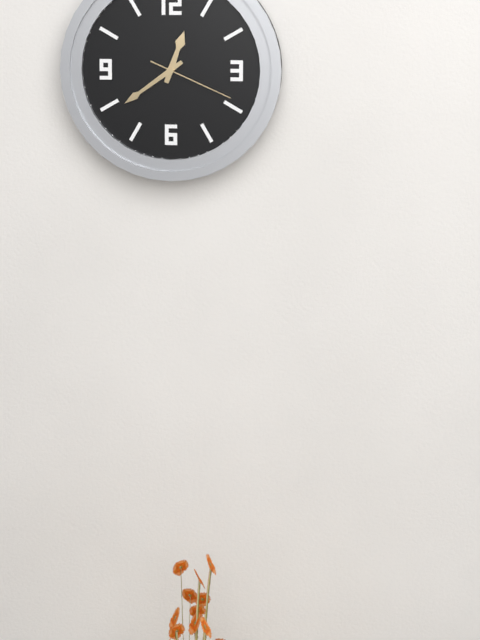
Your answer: 12,39,19
